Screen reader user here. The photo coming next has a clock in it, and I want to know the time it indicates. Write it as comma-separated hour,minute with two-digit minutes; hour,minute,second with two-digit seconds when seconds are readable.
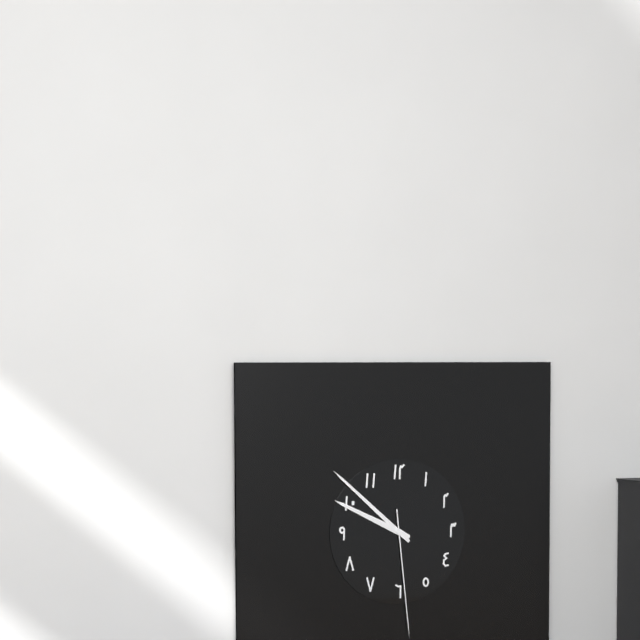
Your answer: 9,52,29
